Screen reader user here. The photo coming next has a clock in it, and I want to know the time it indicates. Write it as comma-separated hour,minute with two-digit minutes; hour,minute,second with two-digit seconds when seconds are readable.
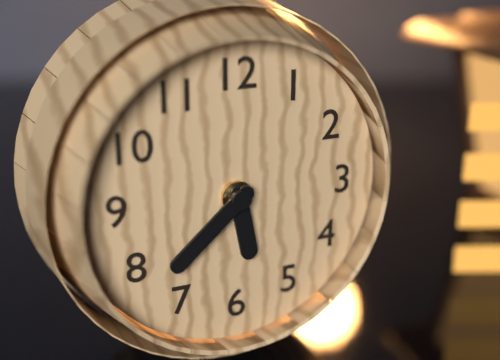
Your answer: 5,38
